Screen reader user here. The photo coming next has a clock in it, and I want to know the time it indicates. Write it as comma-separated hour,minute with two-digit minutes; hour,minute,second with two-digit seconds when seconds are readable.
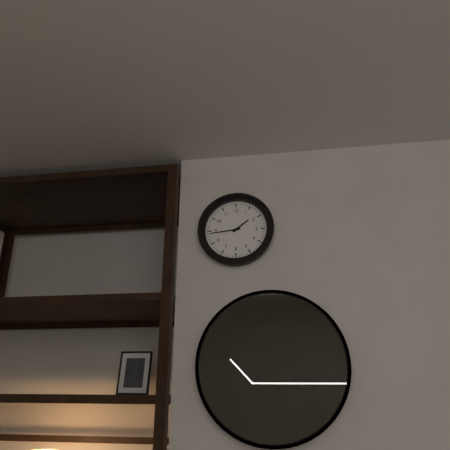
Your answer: 1,44
